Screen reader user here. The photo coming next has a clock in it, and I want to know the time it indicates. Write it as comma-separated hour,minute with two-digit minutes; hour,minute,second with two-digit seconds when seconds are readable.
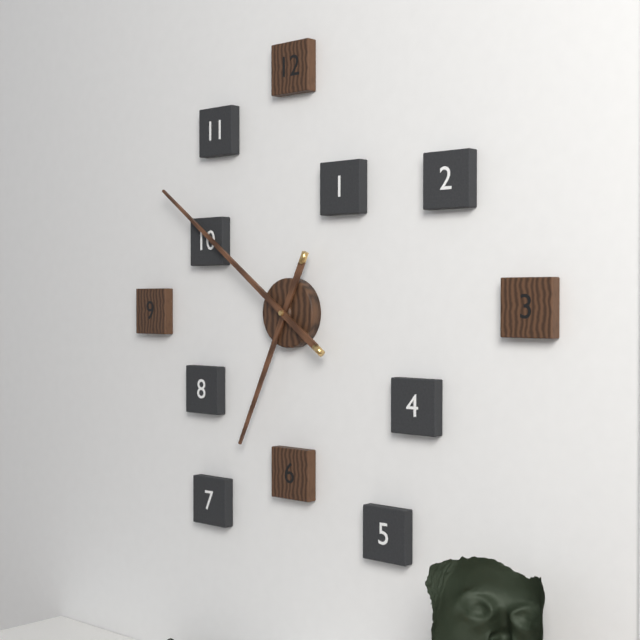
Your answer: 6,51
